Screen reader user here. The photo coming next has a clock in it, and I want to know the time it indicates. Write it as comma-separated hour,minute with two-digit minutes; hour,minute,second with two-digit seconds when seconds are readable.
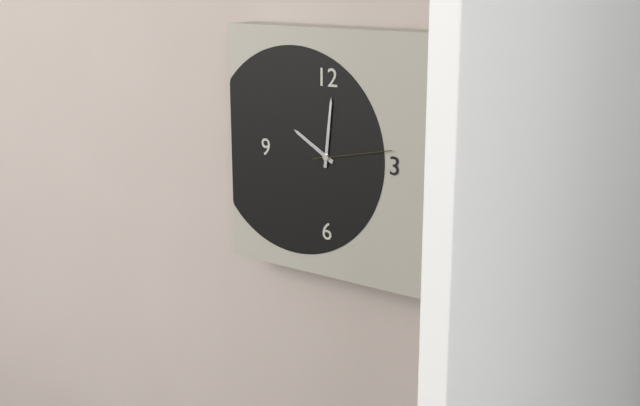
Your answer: 10,01,13
